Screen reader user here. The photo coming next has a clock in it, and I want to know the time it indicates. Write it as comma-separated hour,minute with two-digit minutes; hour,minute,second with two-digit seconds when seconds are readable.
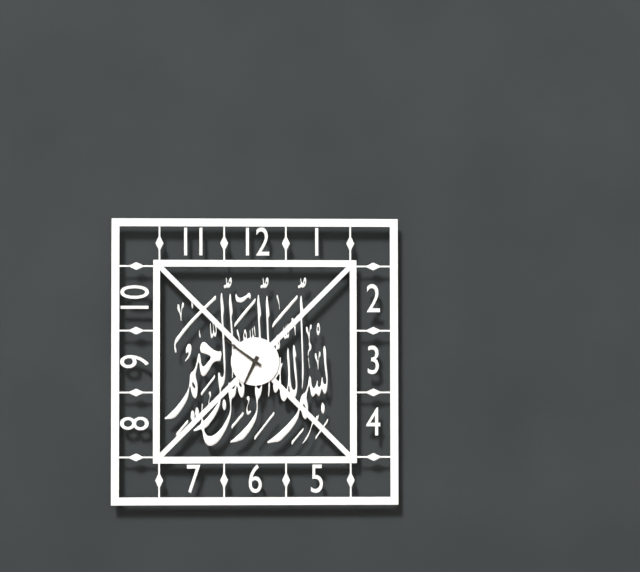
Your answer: 6,51
